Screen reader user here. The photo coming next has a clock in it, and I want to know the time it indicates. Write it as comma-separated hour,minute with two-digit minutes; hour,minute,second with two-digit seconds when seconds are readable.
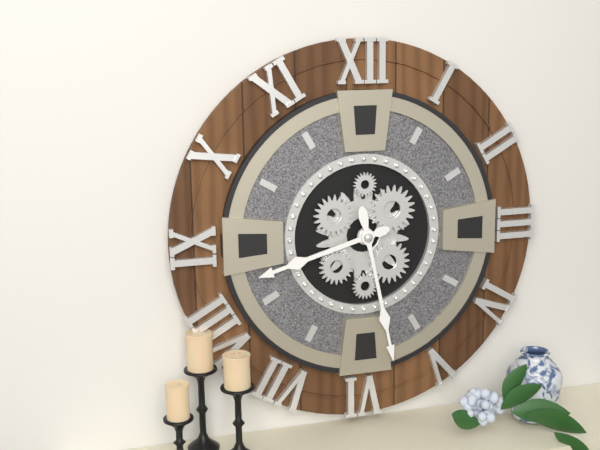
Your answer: 8,28
